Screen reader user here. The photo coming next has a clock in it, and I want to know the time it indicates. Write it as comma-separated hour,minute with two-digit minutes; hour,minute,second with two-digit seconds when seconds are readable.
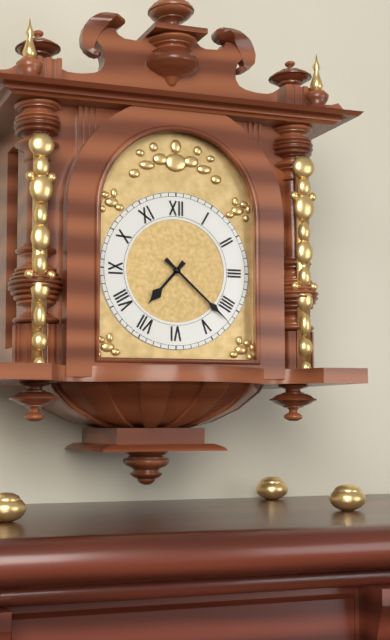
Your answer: 7,22
